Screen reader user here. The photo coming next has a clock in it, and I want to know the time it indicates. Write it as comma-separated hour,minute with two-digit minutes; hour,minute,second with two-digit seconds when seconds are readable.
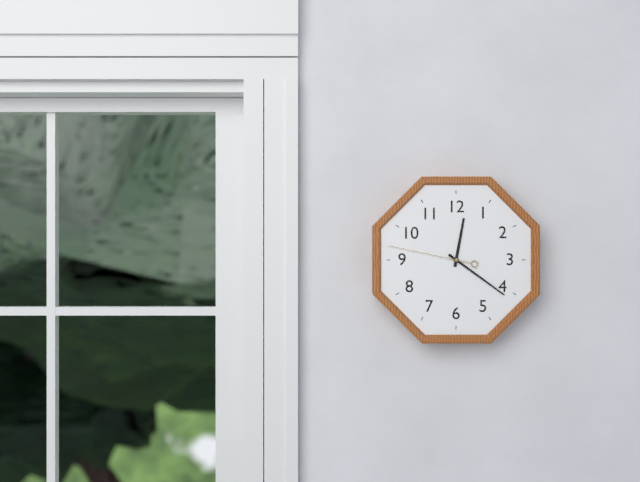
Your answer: 12,21,47
